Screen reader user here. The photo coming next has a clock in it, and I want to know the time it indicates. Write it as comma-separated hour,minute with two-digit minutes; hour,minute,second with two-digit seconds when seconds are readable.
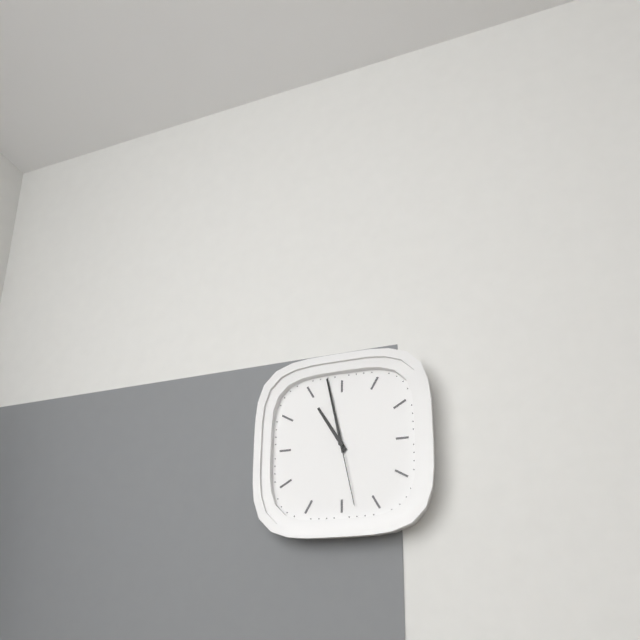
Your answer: 10,58,28
